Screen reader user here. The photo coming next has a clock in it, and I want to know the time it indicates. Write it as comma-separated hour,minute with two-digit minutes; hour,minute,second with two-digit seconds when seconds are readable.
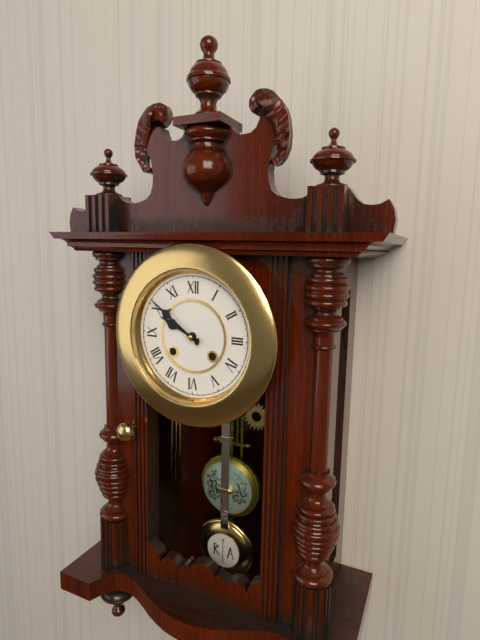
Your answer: 9,51
